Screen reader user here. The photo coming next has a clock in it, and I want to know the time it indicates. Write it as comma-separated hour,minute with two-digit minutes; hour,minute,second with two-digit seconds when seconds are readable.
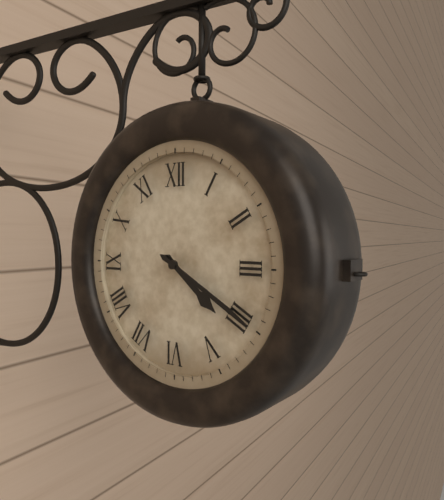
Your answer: 4,20
